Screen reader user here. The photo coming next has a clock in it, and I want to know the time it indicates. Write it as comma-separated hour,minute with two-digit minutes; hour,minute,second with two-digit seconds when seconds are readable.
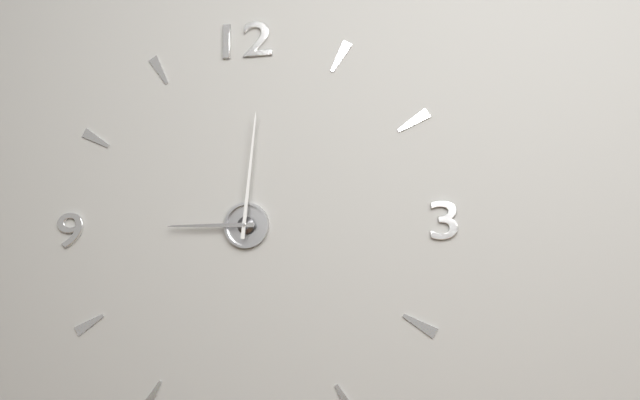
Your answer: 9,01
